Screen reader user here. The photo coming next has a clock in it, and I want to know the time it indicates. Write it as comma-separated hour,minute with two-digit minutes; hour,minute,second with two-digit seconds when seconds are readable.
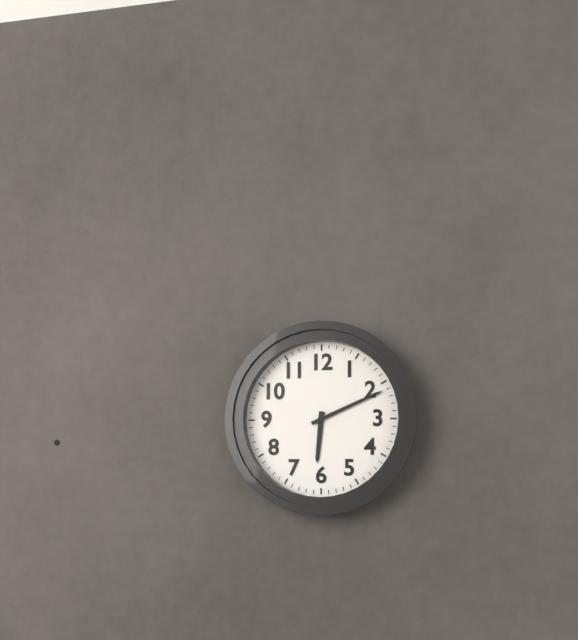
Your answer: 6,11
